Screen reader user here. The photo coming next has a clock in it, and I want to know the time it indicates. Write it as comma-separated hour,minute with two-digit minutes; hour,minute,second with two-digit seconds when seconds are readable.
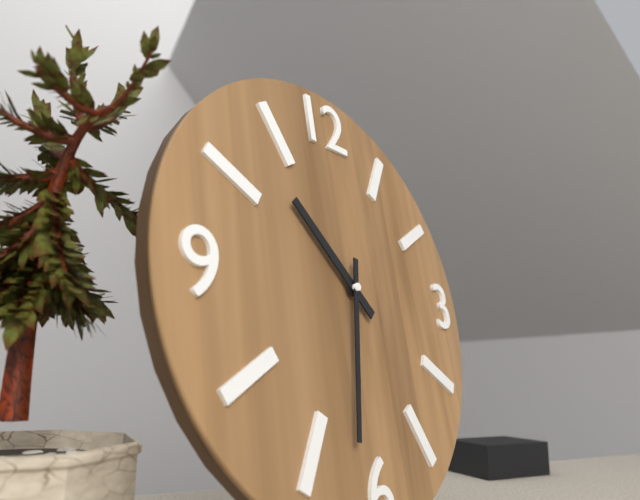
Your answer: 10,32
